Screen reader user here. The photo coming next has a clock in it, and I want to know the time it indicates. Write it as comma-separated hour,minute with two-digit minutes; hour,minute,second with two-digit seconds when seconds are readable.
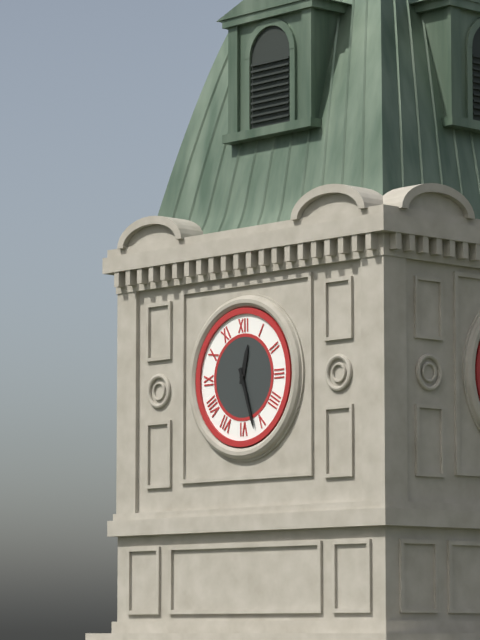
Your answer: 12,27
